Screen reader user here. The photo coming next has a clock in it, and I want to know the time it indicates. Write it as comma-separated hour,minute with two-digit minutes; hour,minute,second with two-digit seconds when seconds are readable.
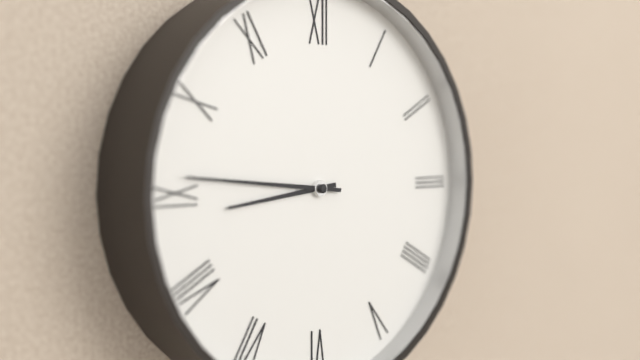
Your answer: 8,46
